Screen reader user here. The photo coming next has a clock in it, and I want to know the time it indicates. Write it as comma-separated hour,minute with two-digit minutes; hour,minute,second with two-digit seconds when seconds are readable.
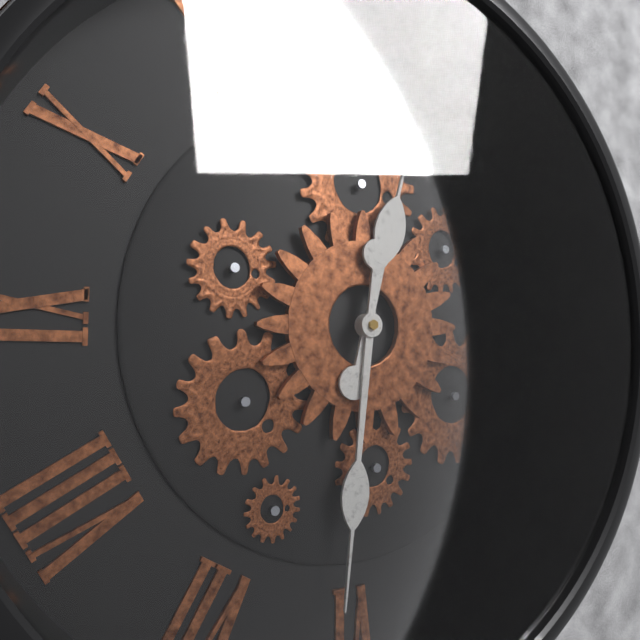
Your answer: 12,31
